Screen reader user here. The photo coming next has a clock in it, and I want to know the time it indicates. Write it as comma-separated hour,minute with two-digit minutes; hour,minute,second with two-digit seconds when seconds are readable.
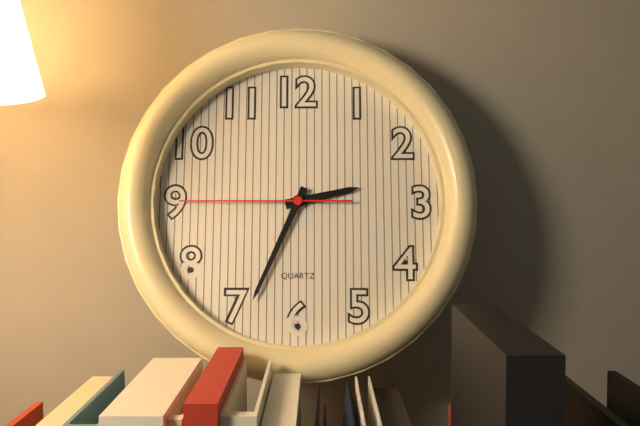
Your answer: 2,34,45
